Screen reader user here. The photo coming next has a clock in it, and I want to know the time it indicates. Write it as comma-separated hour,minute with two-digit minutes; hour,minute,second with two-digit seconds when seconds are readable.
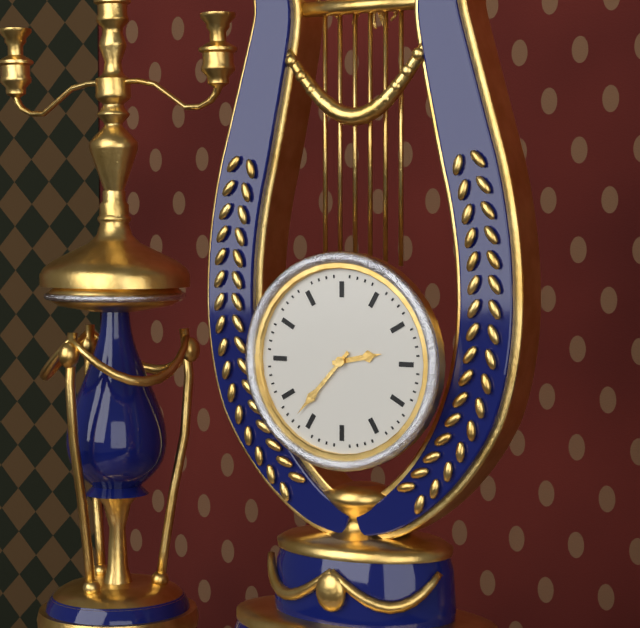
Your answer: 2,37
